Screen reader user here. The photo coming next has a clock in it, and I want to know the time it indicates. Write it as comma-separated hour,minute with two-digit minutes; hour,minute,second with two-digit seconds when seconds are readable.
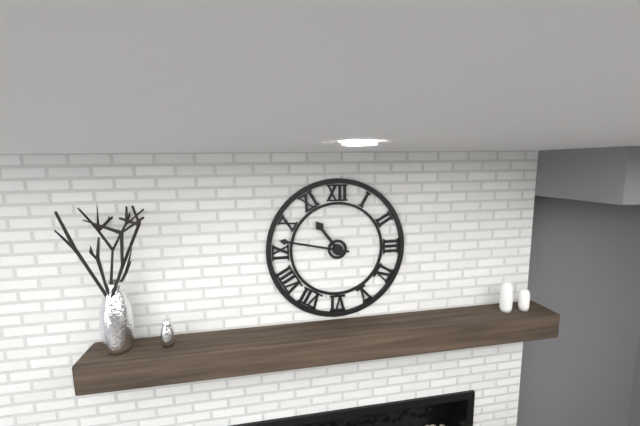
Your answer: 10,47
